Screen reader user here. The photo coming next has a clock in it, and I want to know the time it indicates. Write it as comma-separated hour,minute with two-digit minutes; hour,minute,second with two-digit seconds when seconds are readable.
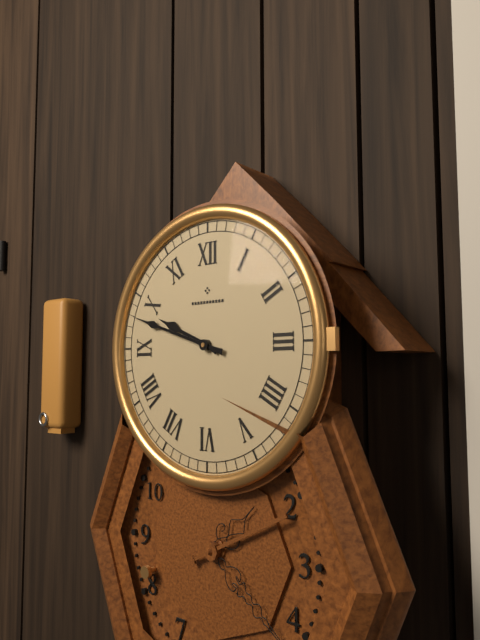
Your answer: 9,48
